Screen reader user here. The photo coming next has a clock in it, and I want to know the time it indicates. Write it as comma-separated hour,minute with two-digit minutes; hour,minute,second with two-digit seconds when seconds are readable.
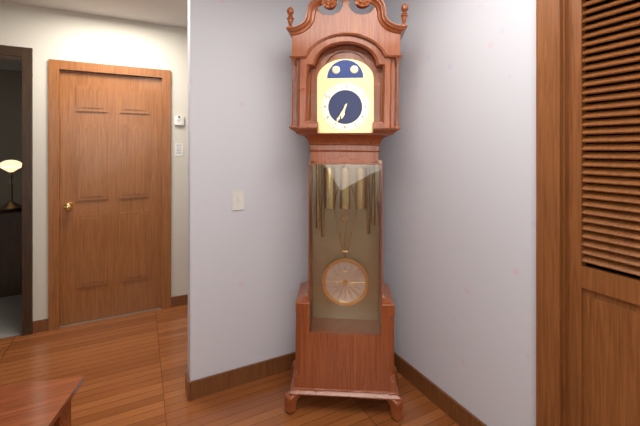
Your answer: 6,35
